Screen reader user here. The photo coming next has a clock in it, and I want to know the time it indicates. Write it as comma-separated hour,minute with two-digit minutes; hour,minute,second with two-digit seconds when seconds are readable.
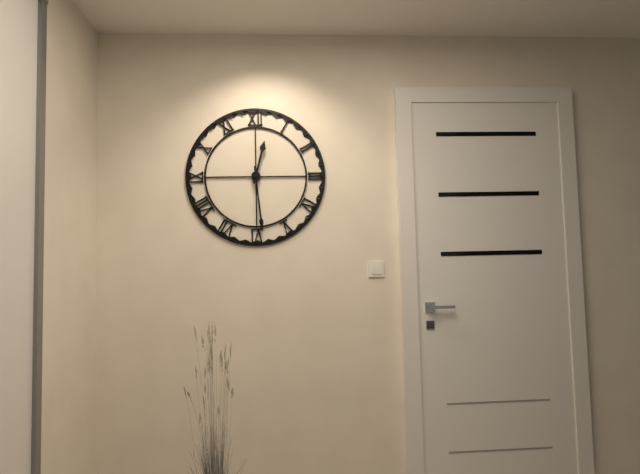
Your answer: 12,29
